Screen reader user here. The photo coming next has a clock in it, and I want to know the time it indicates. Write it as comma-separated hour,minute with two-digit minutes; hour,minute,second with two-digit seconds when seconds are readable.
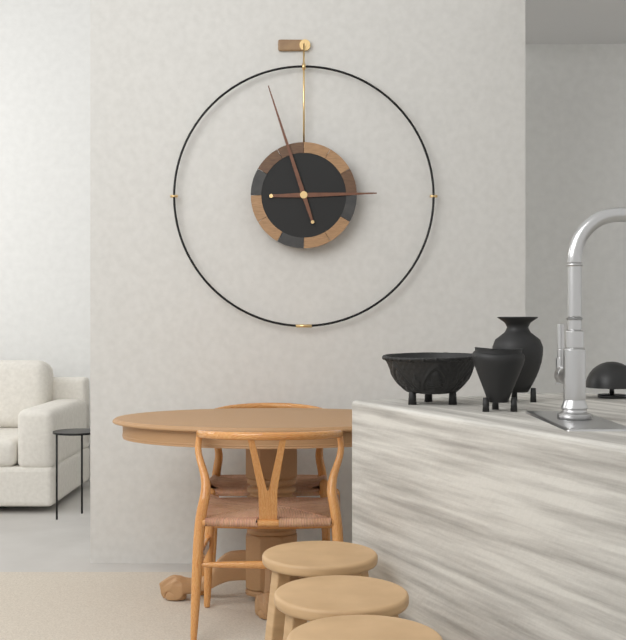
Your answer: 2,57
